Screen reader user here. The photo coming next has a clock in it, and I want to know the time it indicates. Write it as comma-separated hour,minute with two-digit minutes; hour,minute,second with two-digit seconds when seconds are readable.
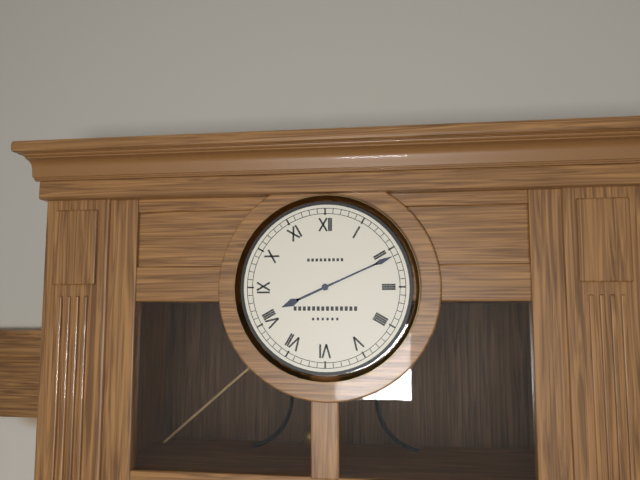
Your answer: 8,11
